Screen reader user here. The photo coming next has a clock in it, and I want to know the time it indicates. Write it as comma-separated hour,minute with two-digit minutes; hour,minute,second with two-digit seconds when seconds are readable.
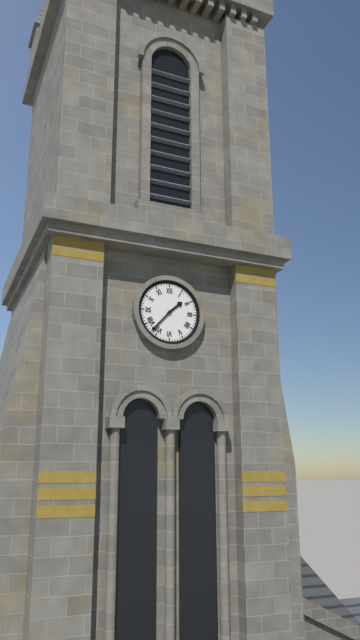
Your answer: 1,37
